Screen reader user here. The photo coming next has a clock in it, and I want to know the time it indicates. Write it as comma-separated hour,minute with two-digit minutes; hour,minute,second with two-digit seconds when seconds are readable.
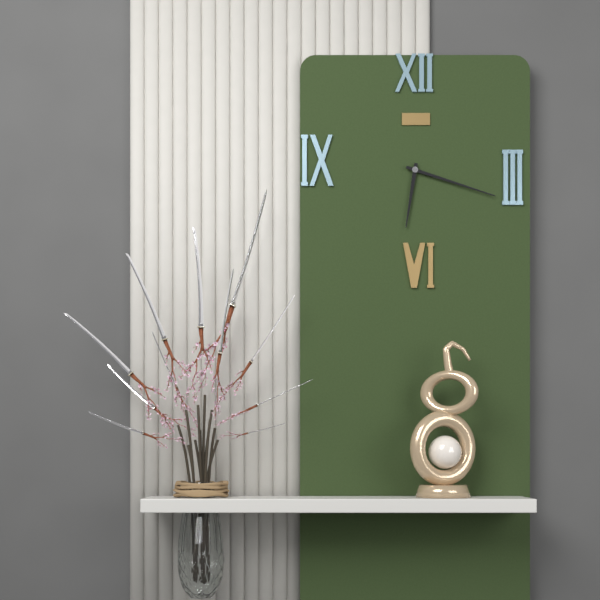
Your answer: 6,18
